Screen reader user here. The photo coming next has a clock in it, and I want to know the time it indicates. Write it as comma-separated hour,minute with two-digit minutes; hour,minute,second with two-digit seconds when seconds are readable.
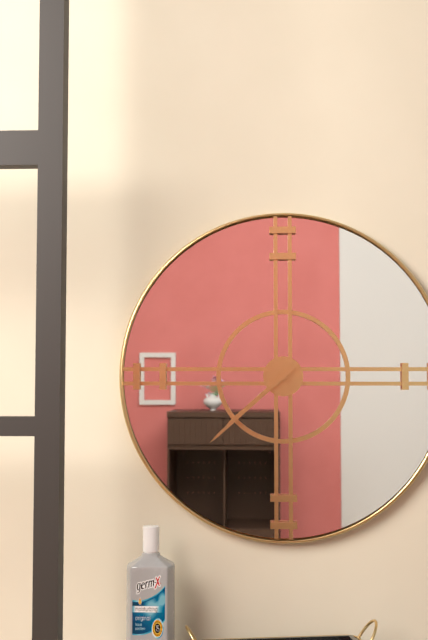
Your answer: 7,38
